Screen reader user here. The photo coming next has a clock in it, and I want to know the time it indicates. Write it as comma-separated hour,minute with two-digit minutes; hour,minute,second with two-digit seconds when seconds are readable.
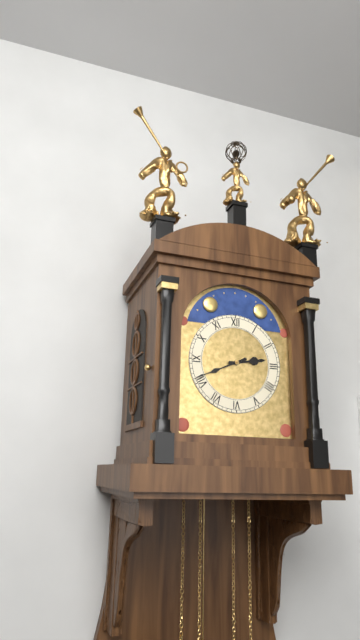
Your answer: 2,41
